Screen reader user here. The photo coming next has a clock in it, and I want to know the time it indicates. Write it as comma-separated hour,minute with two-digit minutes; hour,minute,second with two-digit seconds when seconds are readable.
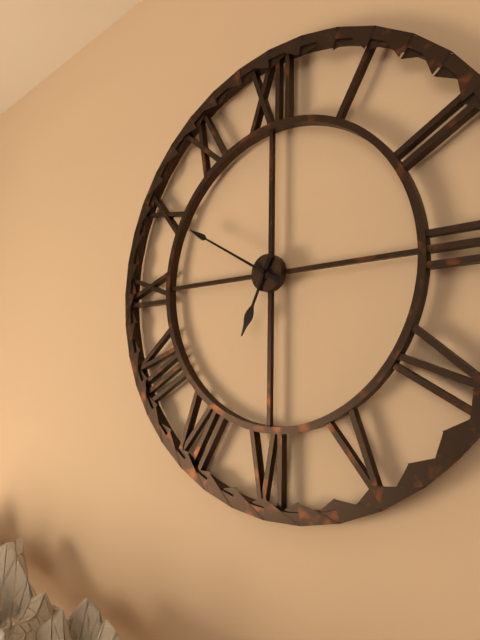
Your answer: 6,50
